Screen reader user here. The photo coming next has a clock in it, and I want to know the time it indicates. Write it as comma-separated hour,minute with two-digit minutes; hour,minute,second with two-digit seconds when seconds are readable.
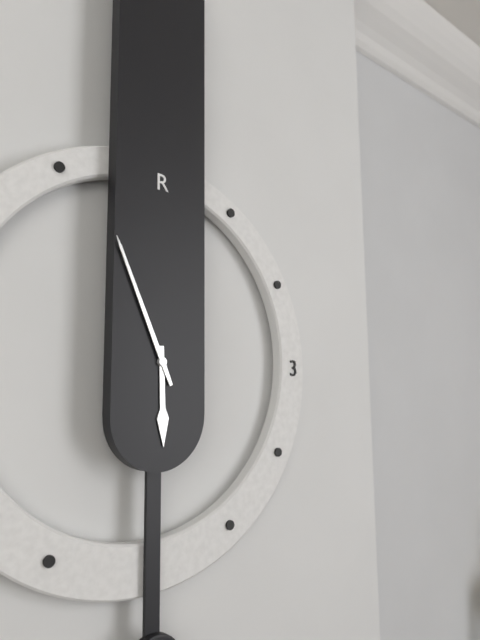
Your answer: 5,56
